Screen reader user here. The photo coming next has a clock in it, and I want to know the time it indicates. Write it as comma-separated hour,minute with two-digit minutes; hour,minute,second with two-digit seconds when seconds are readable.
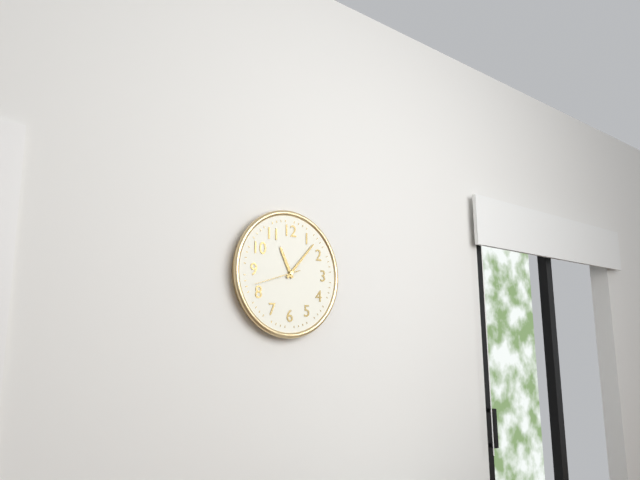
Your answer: 11,07
